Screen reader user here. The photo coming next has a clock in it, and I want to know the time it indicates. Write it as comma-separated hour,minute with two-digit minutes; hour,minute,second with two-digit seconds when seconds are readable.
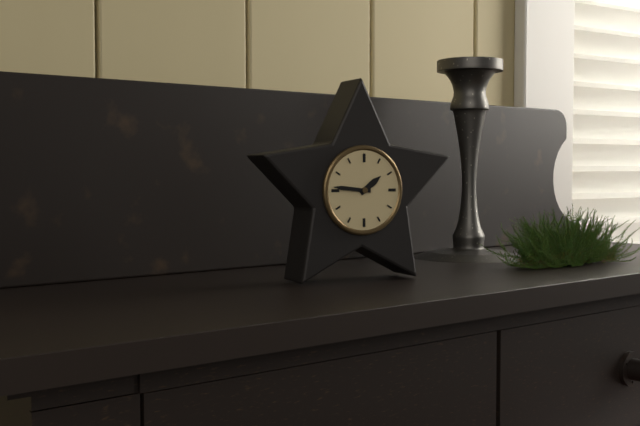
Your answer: 1,46
